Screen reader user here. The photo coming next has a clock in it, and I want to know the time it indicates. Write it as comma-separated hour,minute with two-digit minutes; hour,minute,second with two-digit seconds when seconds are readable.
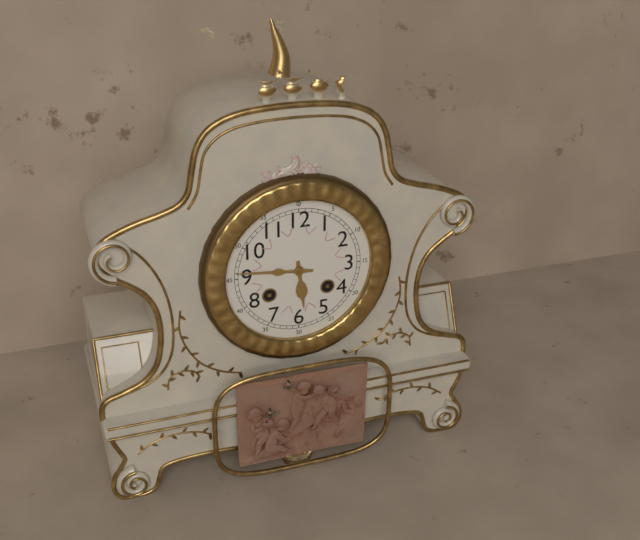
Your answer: 5,46
